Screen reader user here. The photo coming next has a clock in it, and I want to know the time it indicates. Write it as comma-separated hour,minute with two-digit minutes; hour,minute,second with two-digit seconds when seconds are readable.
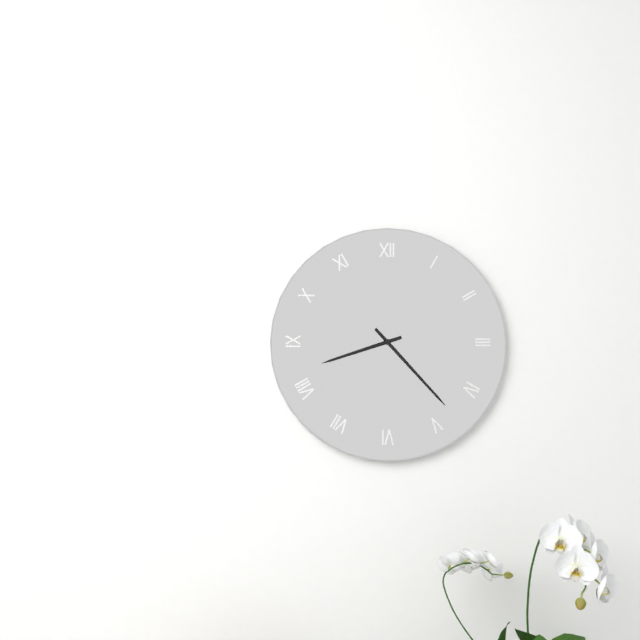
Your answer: 8,23
